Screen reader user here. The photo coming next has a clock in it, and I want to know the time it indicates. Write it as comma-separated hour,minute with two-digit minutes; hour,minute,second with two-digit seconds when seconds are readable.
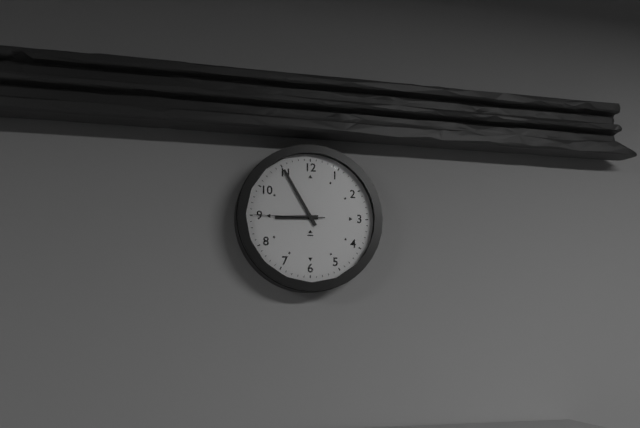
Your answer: 8,55,45
